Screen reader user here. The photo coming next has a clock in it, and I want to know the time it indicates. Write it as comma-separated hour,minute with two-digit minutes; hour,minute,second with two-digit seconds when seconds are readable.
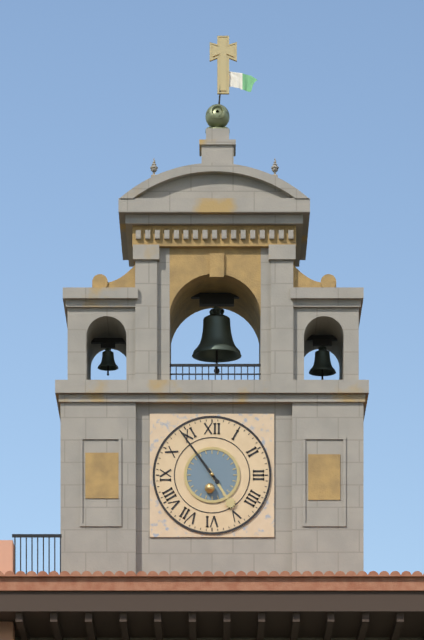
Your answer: 4,54
